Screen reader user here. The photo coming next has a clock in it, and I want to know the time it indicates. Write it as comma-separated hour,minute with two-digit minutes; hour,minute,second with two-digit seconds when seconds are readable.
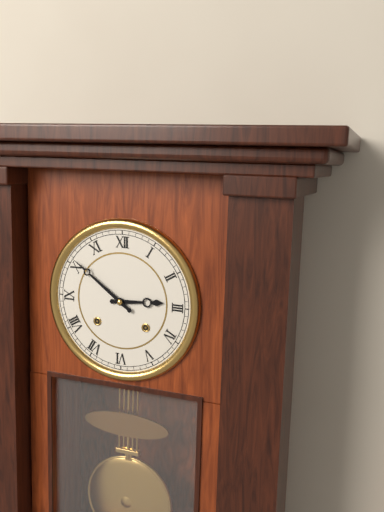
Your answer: 2,51
